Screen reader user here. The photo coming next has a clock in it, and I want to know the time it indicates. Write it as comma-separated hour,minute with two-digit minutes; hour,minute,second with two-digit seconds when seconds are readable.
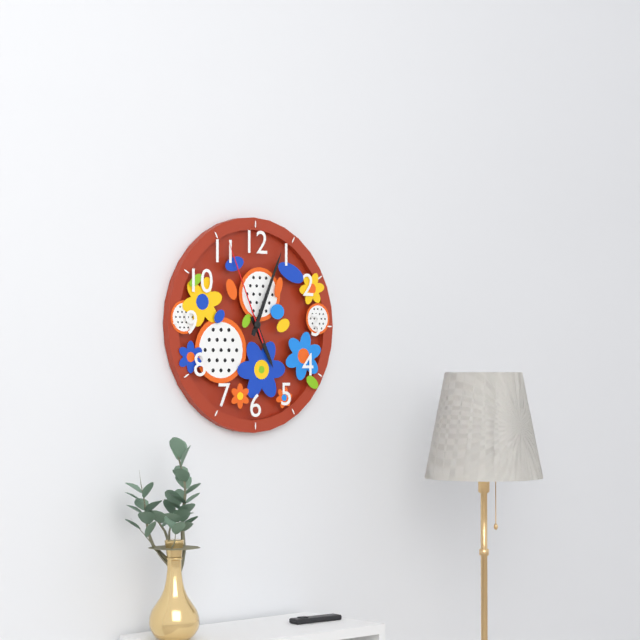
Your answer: 5,04,56
